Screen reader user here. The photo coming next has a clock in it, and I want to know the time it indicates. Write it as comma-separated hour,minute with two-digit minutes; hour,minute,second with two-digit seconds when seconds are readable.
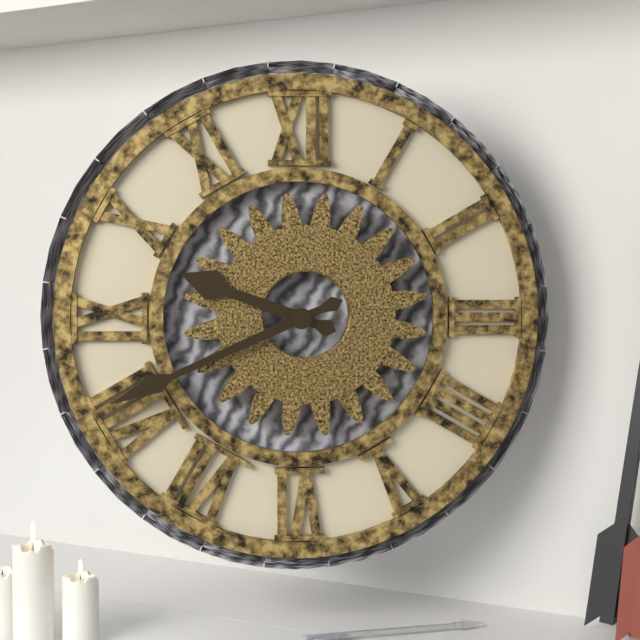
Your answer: 9,41
